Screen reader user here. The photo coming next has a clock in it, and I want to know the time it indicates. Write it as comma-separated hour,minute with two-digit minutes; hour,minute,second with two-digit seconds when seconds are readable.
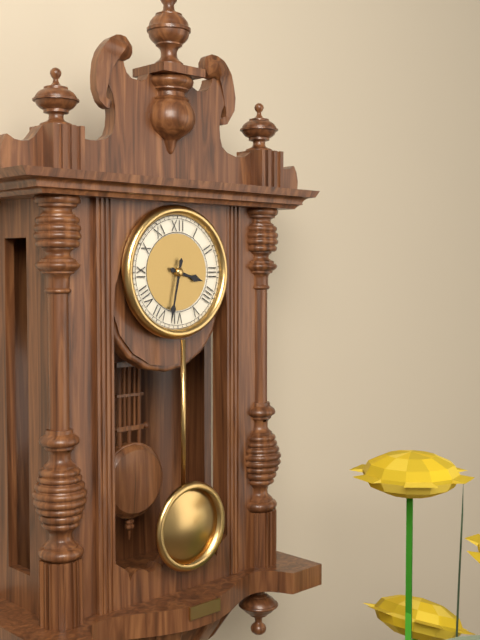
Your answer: 3,32
